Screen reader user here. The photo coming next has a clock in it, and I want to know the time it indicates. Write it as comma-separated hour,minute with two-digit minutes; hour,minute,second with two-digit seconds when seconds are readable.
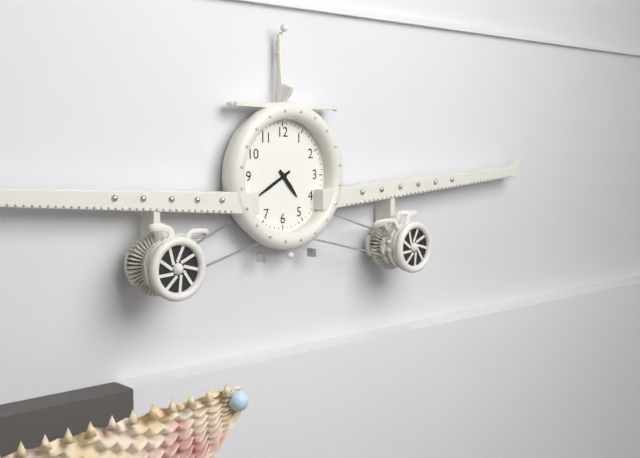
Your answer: 4,40
